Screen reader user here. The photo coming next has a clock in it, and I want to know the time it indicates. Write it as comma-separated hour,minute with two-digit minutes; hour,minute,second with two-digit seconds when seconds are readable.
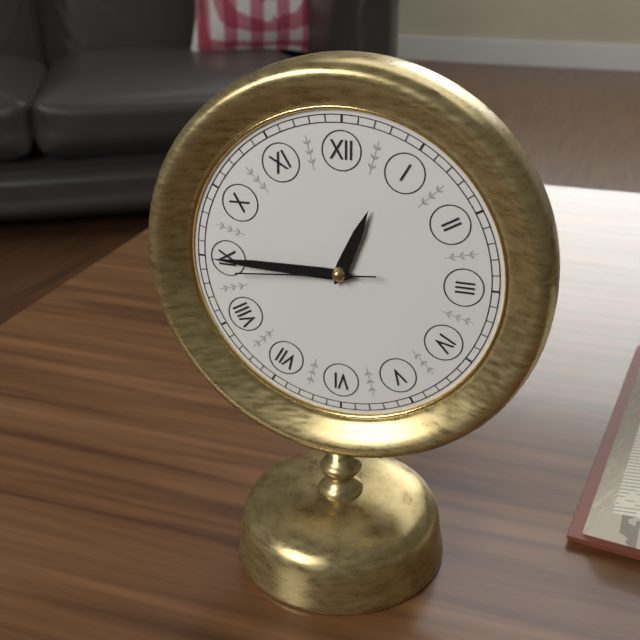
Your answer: 12,45,44
